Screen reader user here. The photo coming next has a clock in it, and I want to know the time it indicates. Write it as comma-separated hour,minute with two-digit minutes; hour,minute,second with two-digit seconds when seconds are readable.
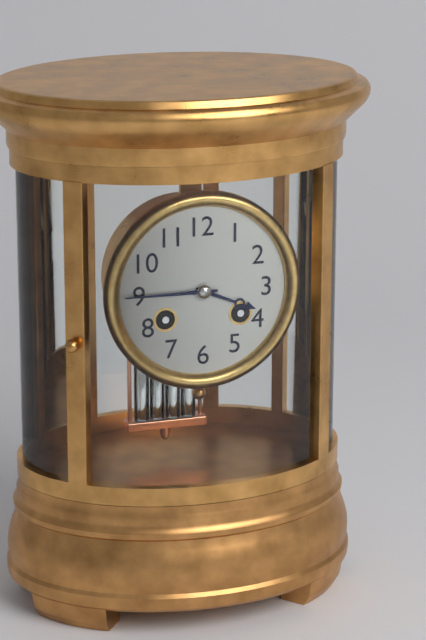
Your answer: 3,45
